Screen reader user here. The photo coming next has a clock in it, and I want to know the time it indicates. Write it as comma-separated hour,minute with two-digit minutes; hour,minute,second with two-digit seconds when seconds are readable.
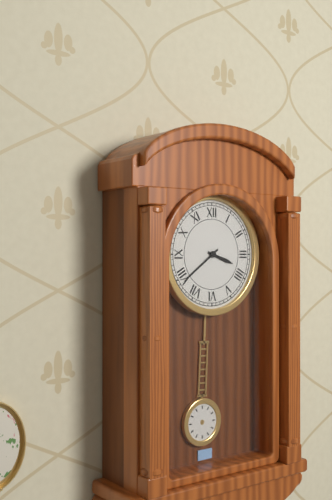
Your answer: 3,39
